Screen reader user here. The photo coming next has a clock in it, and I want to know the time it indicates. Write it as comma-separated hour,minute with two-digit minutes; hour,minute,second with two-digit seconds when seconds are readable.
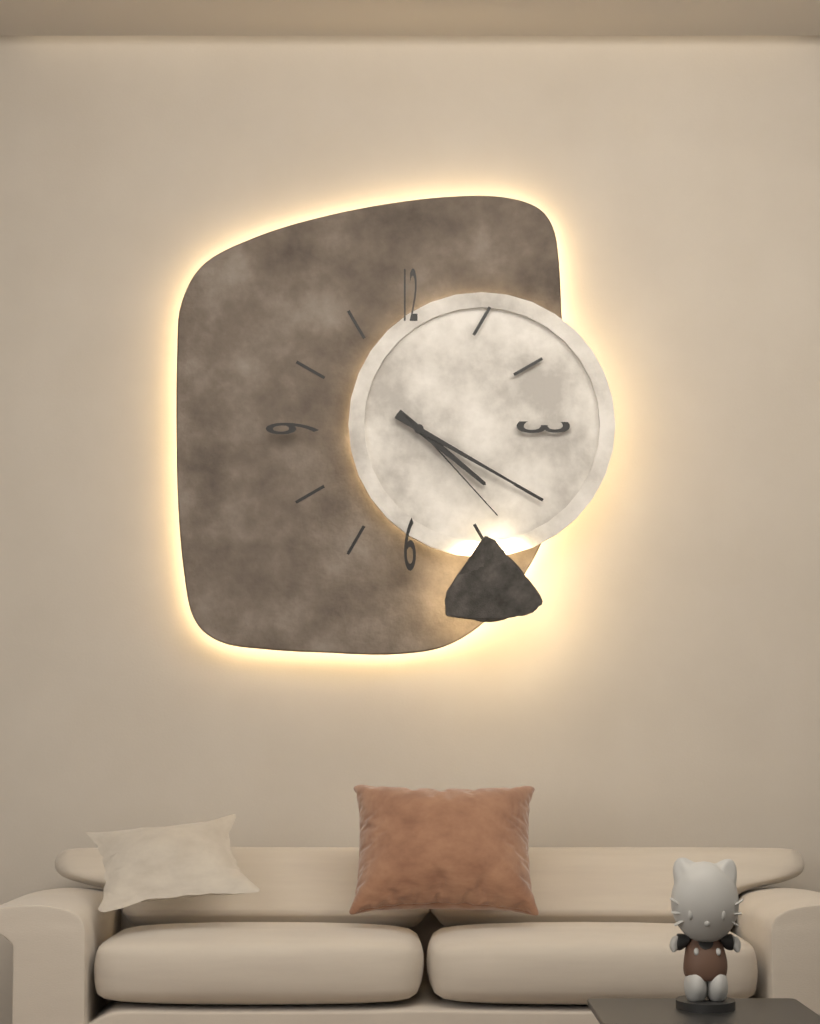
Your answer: 4,20,23
